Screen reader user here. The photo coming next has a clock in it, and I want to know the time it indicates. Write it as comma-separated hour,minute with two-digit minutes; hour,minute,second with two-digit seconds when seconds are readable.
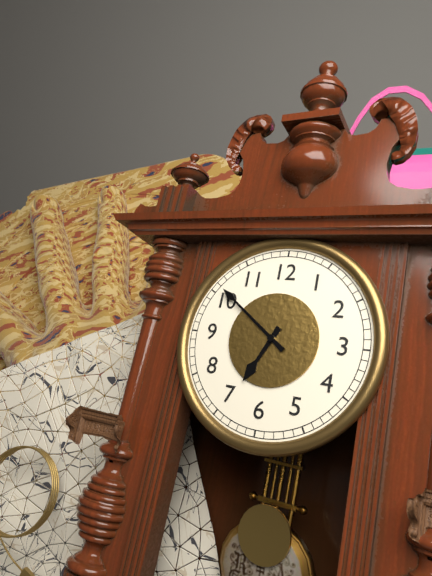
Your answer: 6,51
